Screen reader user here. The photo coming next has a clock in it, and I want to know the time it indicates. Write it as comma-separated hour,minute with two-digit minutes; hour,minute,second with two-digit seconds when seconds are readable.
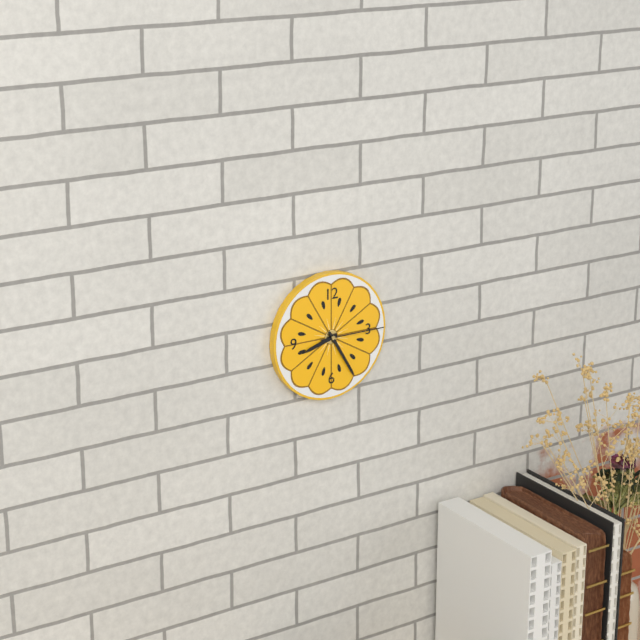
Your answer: 8,25,15
